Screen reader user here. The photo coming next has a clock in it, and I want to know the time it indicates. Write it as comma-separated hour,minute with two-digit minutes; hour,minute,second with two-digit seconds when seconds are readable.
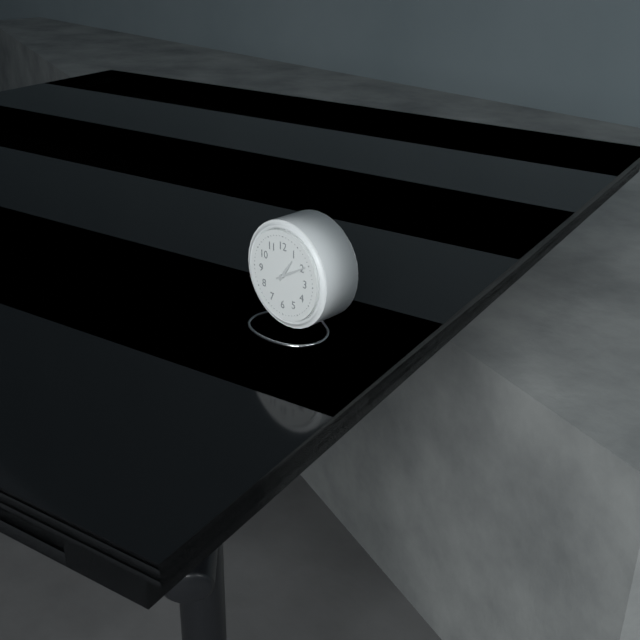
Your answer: 1,10
